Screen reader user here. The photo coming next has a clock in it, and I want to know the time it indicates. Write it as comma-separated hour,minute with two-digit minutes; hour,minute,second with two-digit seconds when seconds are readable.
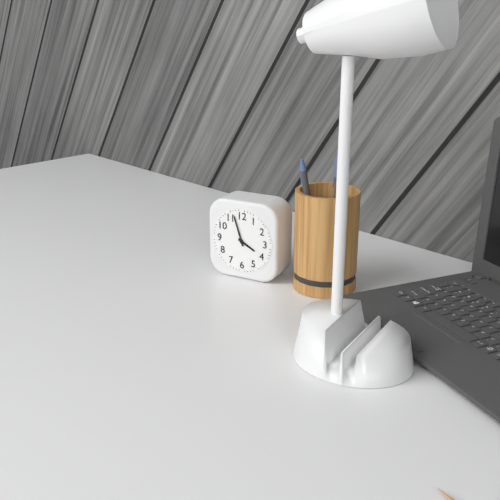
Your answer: 3,57
